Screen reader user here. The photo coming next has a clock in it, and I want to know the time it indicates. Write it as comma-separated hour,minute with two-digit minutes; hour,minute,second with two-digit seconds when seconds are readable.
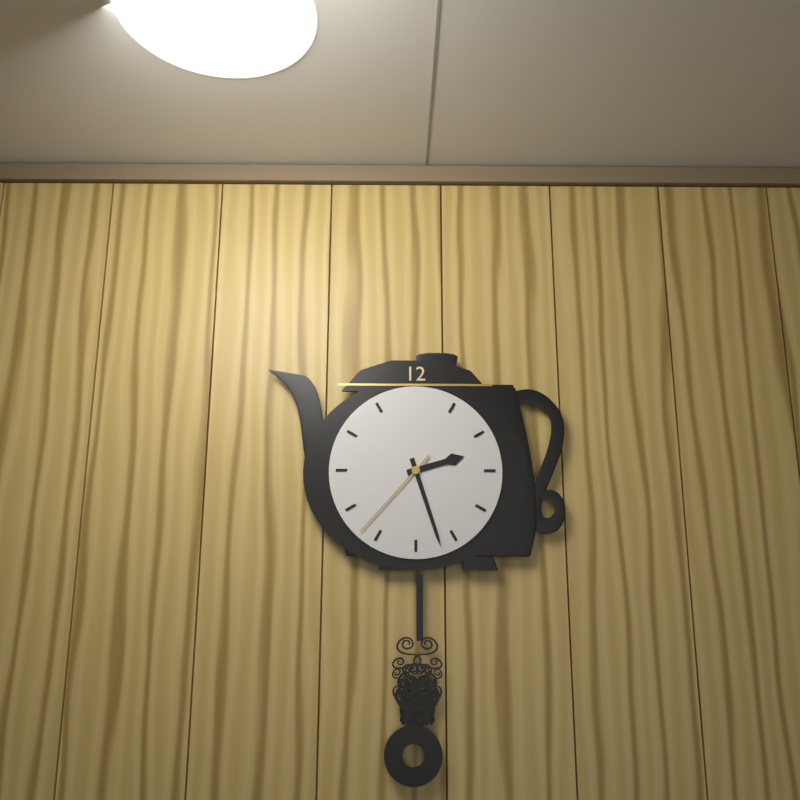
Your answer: 2,27,37
